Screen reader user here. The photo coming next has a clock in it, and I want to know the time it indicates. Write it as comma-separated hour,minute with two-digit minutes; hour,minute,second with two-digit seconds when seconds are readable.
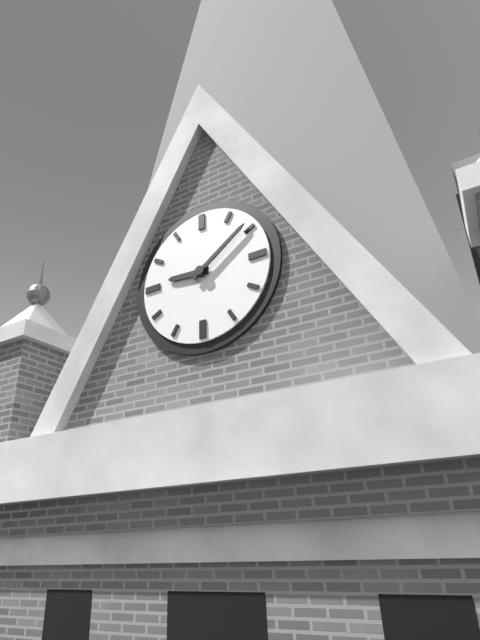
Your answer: 9,09
